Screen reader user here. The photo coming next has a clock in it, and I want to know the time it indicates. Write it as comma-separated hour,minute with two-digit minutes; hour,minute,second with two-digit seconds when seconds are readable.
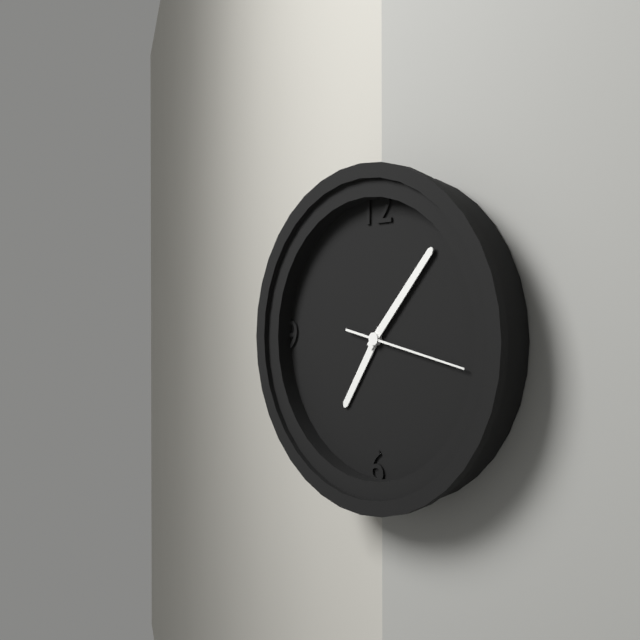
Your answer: 7,07,17
